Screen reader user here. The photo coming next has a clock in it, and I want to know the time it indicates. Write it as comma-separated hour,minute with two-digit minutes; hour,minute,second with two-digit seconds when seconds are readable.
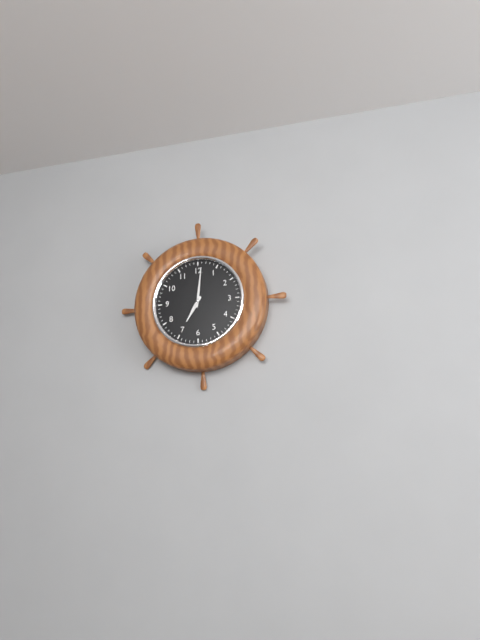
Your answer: 7,01
